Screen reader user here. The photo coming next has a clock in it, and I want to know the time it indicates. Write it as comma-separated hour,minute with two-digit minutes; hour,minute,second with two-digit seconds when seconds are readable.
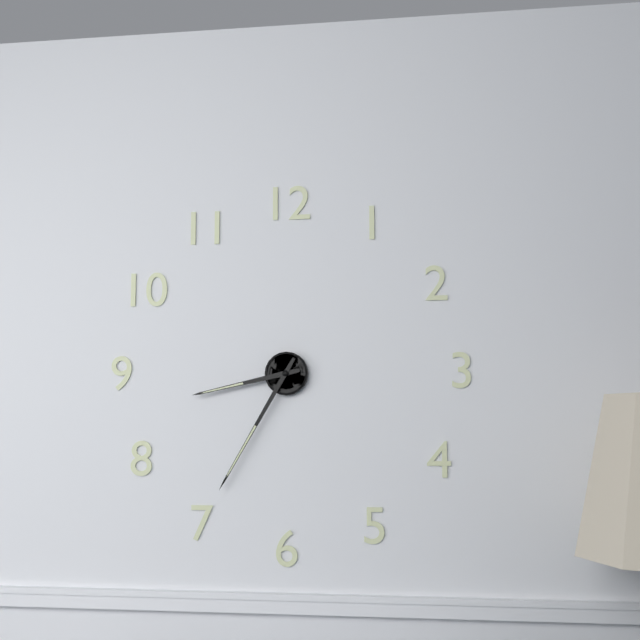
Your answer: 8,35
